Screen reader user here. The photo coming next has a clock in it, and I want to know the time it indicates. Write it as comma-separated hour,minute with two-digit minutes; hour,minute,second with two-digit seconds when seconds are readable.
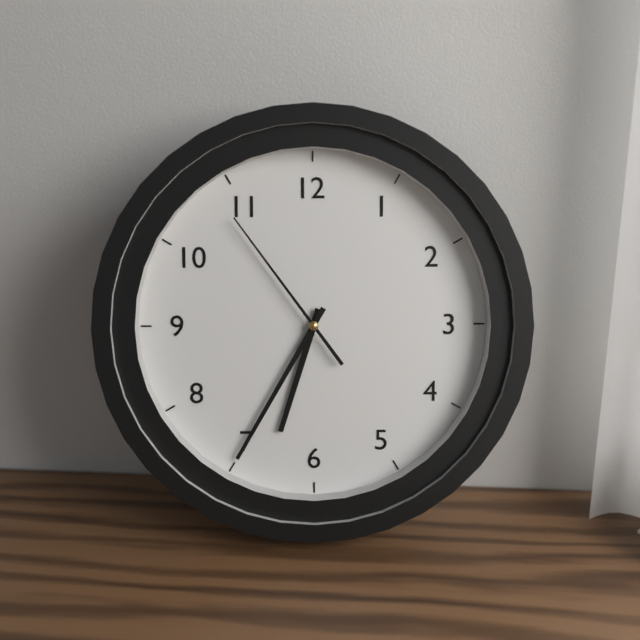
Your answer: 6,35,54
